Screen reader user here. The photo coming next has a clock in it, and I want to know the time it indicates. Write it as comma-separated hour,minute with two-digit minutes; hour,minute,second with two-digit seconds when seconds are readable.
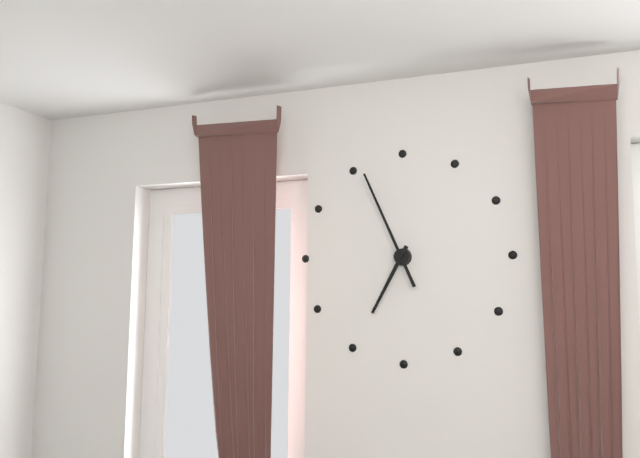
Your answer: 6,56
